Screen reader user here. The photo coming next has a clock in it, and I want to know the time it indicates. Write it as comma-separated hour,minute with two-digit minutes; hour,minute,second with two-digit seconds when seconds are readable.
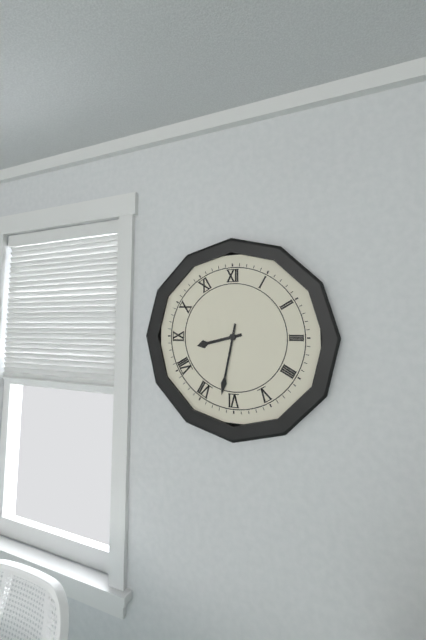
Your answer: 8,32
